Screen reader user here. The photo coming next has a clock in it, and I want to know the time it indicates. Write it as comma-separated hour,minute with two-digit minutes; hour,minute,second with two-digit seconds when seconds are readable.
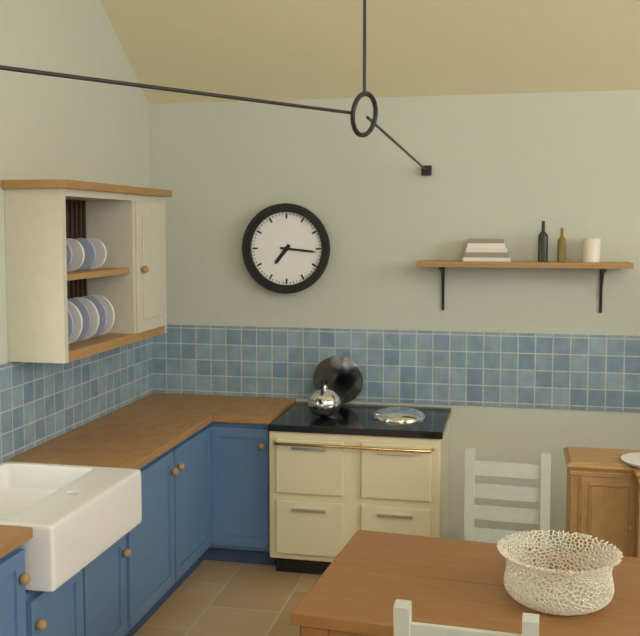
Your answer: 7,16
